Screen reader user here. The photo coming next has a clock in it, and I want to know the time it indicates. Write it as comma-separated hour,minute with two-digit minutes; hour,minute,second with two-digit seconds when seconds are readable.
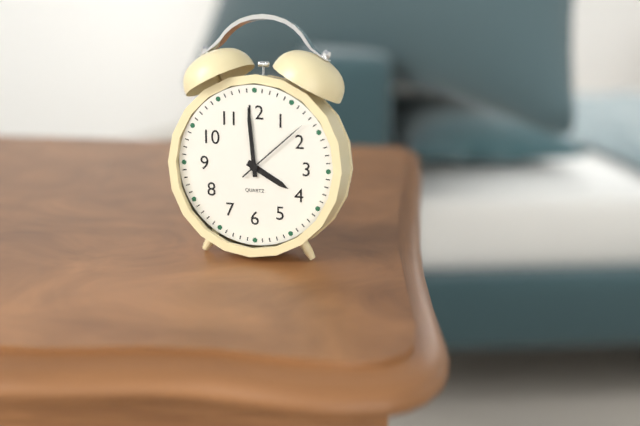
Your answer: 3,59,08
